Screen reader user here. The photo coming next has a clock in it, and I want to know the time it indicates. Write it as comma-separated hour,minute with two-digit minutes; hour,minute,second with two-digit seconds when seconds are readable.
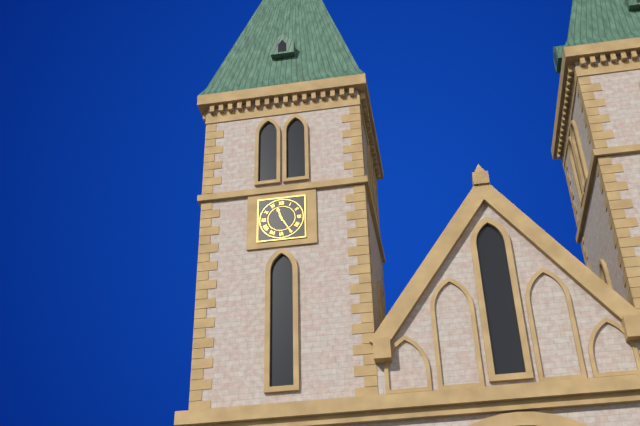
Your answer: 11,25
